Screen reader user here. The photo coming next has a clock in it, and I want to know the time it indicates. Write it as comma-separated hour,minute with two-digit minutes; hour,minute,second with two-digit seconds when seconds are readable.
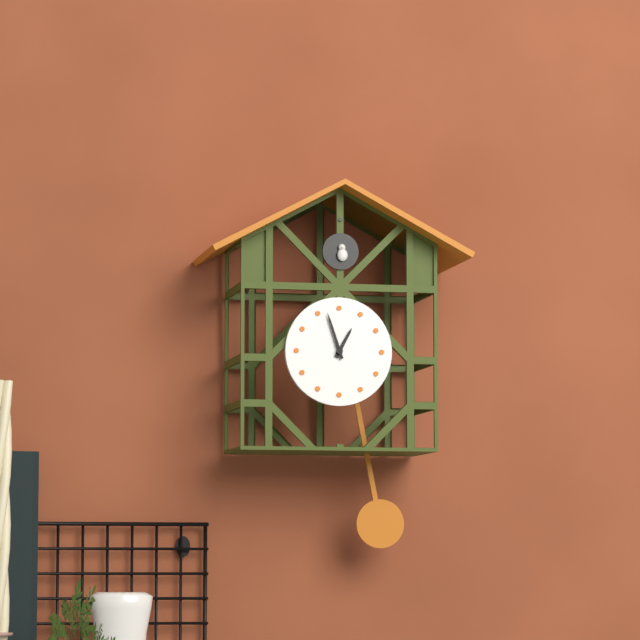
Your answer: 12,57
